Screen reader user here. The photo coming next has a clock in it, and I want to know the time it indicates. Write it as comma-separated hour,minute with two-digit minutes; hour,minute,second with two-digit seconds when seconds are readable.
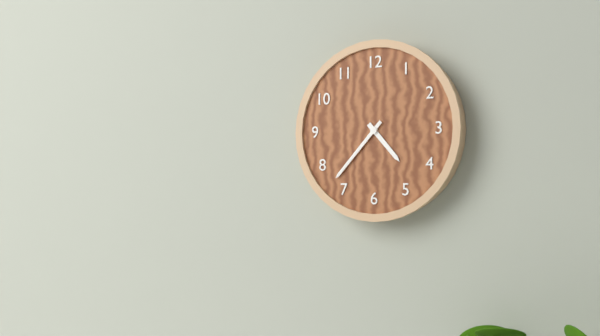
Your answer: 4,37
